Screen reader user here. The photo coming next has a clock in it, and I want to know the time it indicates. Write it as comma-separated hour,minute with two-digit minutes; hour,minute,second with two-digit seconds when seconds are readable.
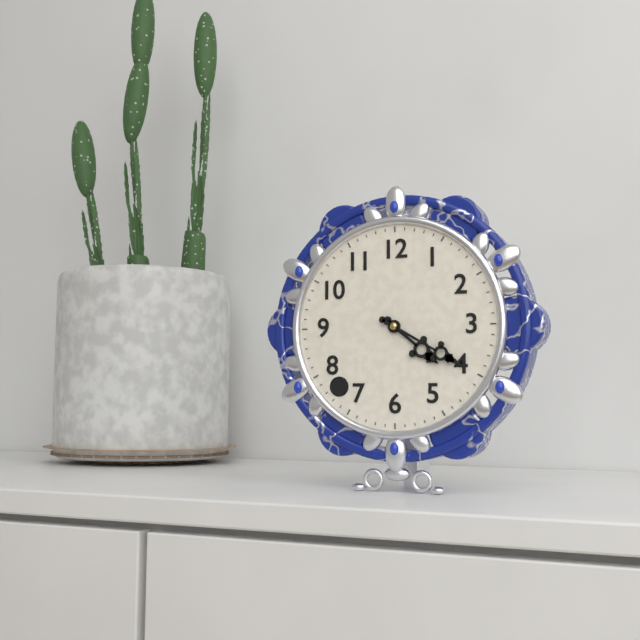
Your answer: 4,20
